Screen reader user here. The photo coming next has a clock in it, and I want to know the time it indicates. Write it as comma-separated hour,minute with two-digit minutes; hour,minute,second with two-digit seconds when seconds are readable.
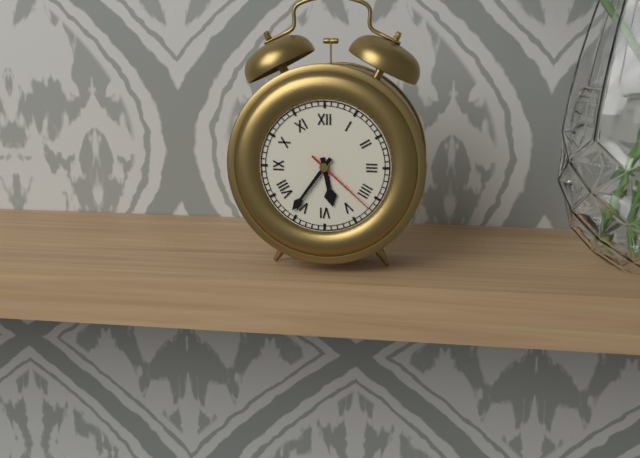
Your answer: 5,36,22
